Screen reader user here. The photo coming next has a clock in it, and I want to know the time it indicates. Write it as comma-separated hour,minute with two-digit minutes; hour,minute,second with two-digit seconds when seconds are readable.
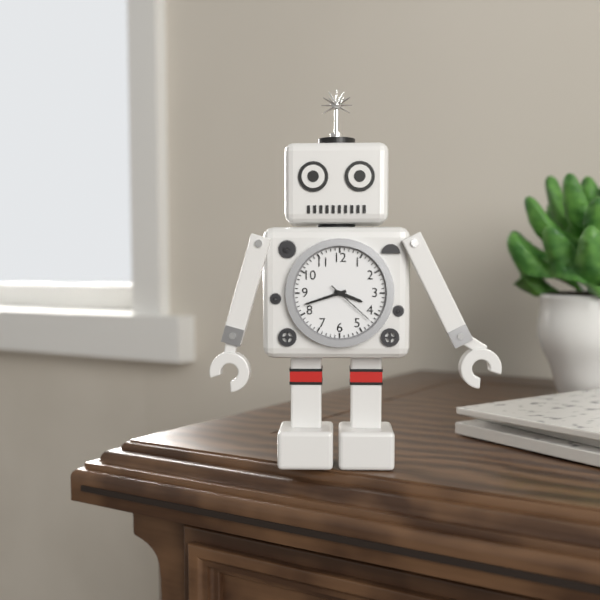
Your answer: 3,42,22
